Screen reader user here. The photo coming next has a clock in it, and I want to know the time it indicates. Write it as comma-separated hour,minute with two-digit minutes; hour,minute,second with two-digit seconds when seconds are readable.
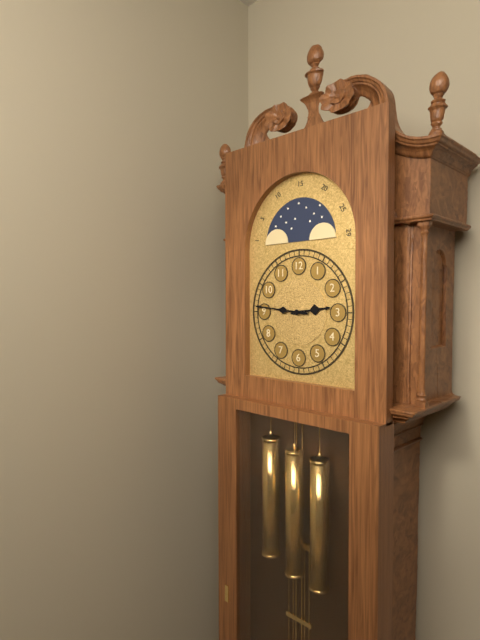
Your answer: 2,46
